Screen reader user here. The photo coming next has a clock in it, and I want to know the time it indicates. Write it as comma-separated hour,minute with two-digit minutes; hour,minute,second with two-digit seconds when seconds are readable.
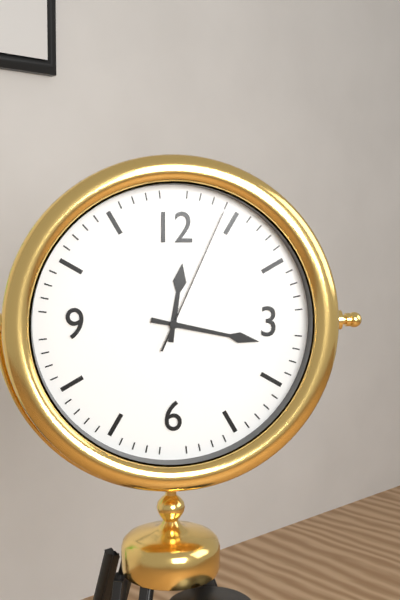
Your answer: 12,17,04
